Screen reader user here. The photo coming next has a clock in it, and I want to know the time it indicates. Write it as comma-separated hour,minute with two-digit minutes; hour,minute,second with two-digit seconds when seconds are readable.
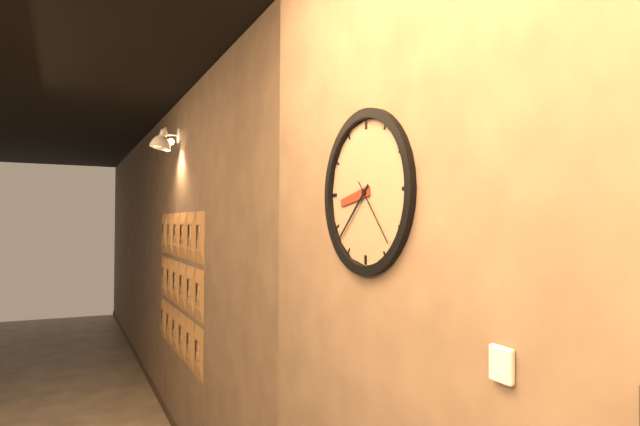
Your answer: 8,38,23
